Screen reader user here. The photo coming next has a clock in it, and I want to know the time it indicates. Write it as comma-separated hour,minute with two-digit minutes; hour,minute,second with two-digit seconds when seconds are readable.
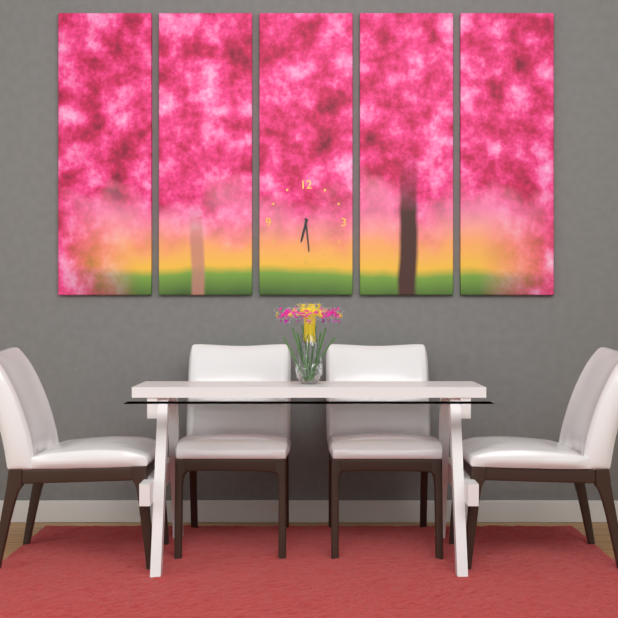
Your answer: 6,29
